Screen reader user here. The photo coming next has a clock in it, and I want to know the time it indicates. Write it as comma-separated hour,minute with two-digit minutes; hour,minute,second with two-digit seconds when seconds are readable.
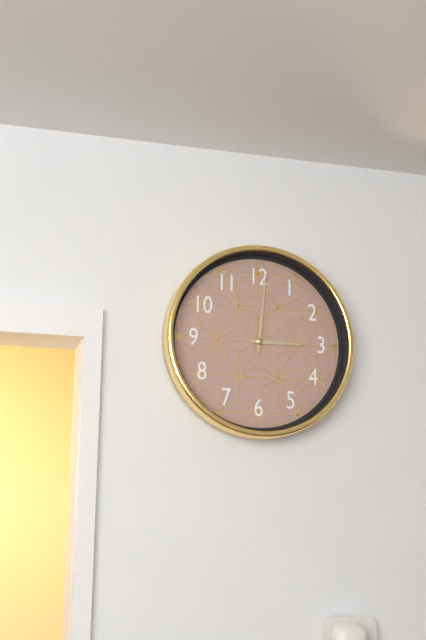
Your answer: 3,01
